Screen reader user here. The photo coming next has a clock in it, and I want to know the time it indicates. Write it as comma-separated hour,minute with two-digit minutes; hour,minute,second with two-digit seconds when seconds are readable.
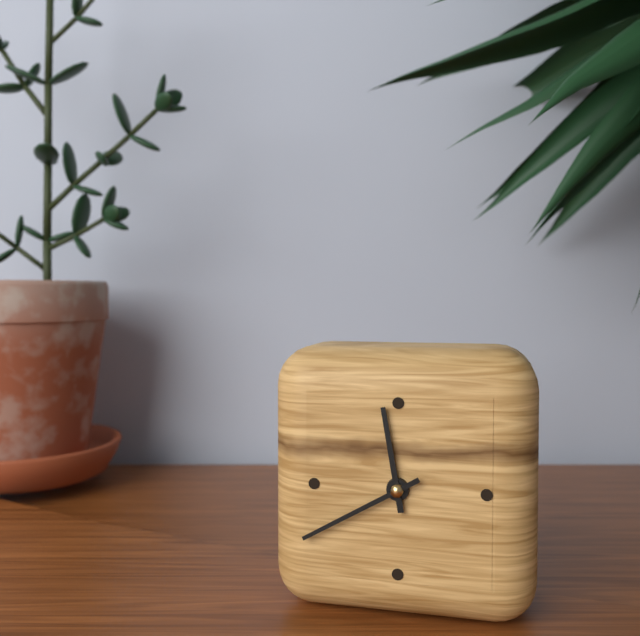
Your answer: 11,40
